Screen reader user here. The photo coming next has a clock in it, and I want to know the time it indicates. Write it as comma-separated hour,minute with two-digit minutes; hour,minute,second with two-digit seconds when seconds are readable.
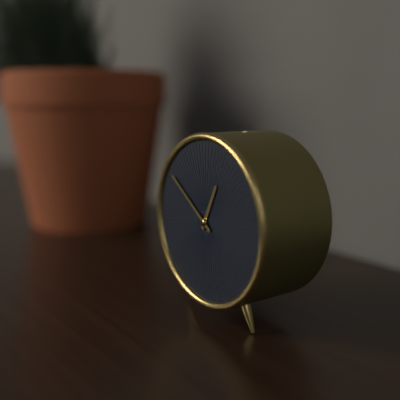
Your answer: 12,51
